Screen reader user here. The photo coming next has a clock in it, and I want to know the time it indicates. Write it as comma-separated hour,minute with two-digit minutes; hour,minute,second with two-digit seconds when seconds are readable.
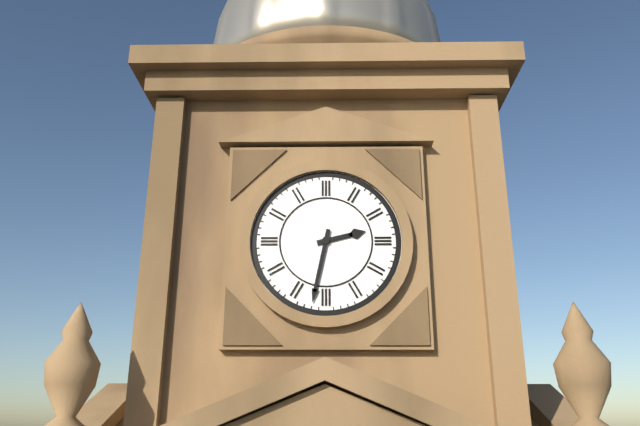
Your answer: 2,32
